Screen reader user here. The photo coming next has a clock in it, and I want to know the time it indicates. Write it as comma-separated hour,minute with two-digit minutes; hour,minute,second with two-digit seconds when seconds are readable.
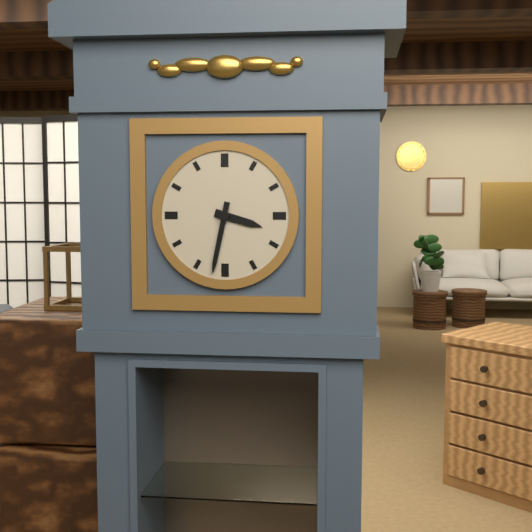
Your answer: 3,32
